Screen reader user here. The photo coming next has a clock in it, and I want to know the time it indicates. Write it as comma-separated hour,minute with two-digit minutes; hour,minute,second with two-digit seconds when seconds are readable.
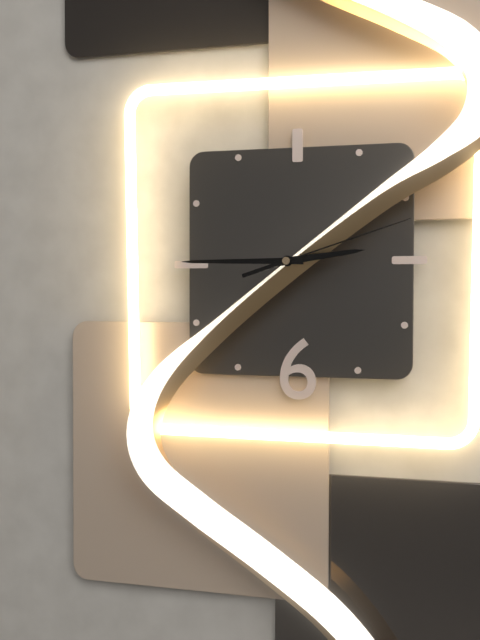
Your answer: 2,45,12
